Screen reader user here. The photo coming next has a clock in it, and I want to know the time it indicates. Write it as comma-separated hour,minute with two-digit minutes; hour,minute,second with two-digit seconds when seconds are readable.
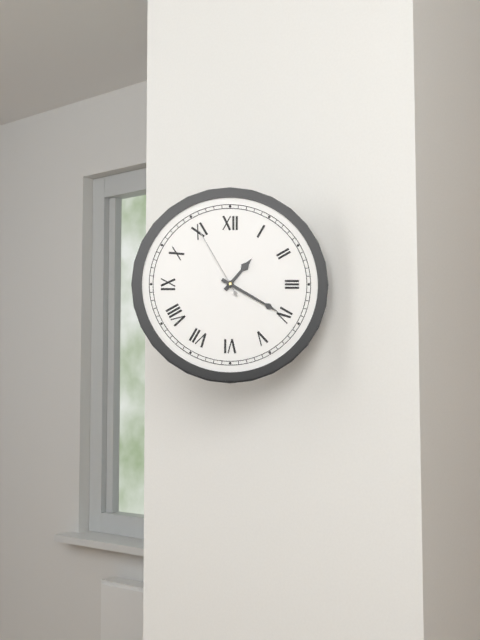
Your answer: 1,20,55
